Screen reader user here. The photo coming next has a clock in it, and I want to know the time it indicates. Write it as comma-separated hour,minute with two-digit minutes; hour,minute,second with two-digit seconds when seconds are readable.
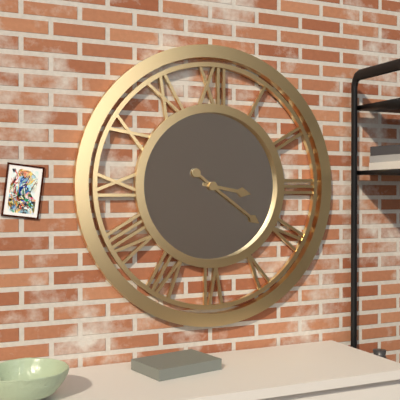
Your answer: 3,21
